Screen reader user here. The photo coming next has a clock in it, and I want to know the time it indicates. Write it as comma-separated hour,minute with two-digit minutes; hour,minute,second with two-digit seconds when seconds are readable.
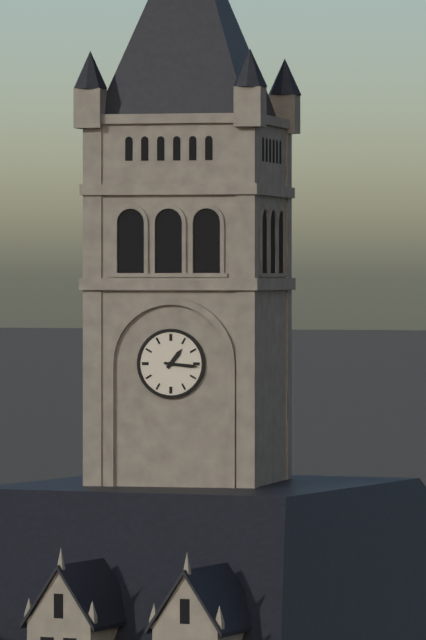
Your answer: 1,16
